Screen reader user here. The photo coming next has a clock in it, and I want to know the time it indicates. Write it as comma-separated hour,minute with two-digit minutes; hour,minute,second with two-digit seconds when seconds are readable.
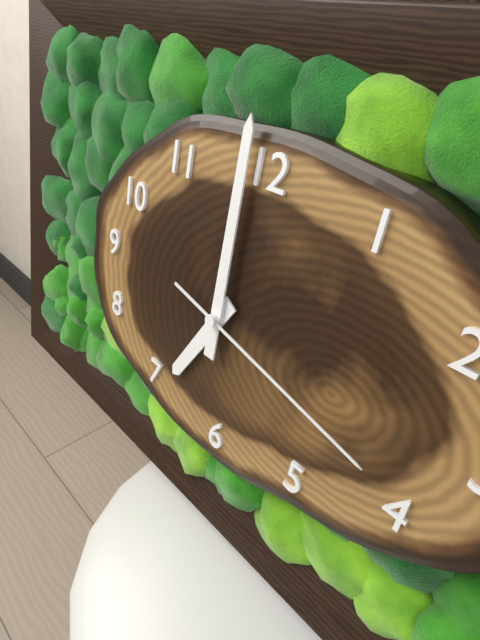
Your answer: 7,00,17
